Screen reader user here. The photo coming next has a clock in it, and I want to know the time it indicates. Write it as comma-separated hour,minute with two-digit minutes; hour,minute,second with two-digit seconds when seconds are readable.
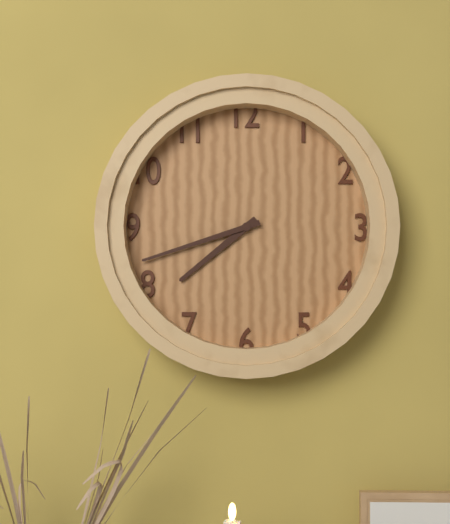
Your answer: 7,42
